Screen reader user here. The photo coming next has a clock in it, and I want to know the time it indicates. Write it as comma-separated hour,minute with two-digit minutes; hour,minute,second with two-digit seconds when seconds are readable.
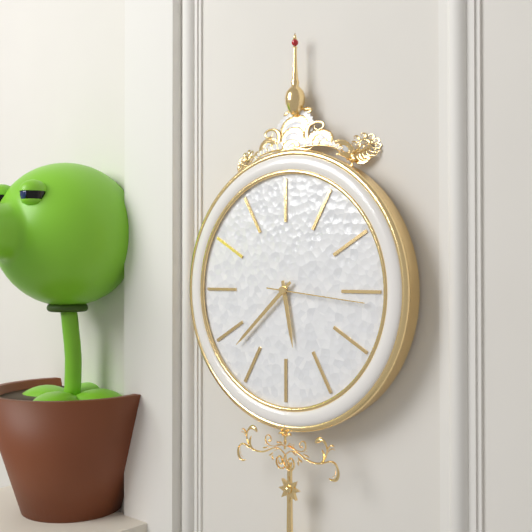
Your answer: 5,38,16
